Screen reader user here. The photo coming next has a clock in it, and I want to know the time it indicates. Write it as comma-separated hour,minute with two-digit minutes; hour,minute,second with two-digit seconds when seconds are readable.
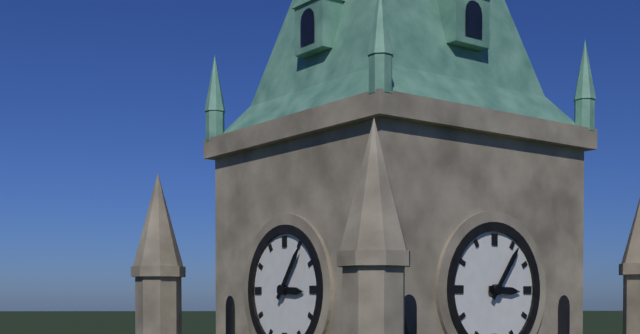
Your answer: 3,06
